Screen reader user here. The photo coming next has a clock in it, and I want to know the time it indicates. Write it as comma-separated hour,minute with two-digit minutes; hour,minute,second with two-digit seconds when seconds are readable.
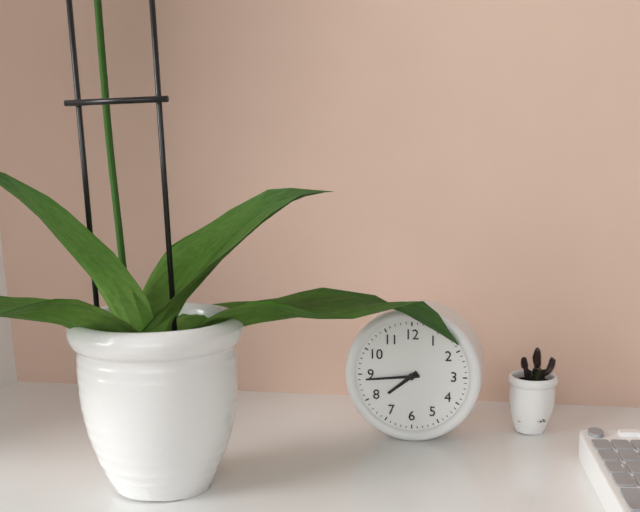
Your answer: 7,44
